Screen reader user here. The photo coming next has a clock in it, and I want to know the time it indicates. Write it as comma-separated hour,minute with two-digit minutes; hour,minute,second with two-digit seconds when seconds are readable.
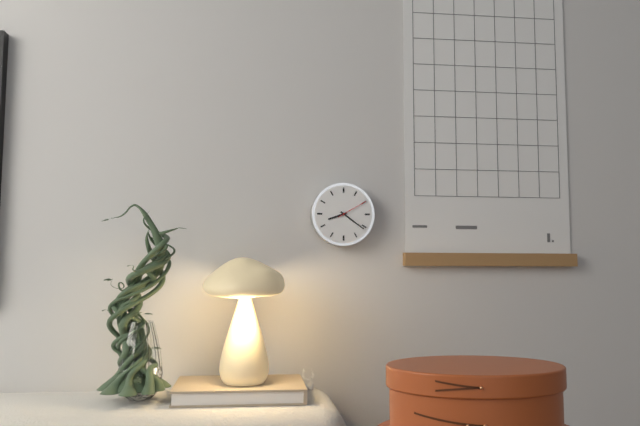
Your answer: 8,21
